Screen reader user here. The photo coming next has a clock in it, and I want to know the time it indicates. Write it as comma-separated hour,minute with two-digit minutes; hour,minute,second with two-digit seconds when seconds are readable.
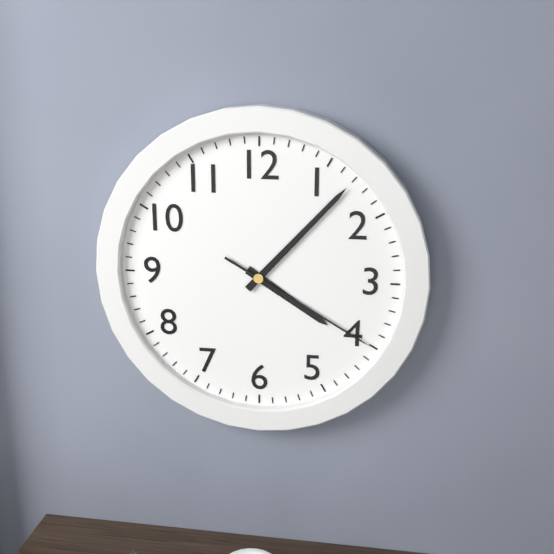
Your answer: 4,07,20
